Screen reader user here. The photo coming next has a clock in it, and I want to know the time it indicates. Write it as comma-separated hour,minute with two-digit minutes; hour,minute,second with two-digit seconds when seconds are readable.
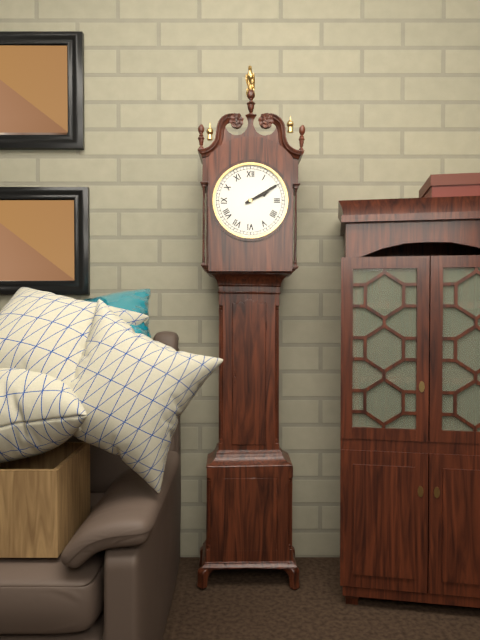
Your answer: 2,10
